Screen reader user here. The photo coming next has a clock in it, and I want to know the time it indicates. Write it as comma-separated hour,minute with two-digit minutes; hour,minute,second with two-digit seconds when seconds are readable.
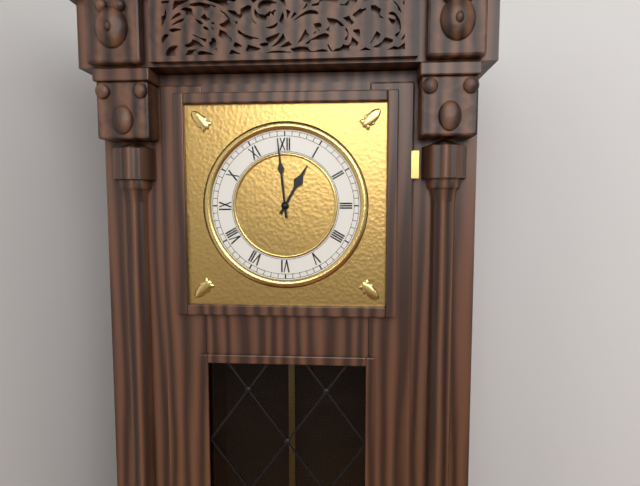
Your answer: 12,59
